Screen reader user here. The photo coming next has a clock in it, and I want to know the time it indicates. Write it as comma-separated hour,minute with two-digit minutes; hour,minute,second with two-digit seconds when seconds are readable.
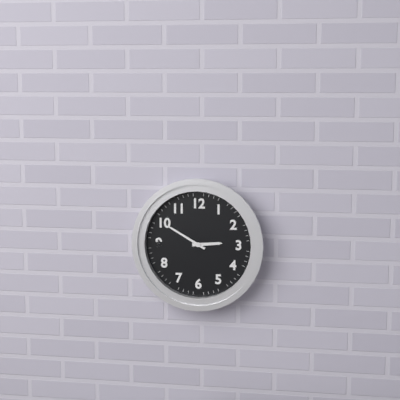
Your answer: 2,50
